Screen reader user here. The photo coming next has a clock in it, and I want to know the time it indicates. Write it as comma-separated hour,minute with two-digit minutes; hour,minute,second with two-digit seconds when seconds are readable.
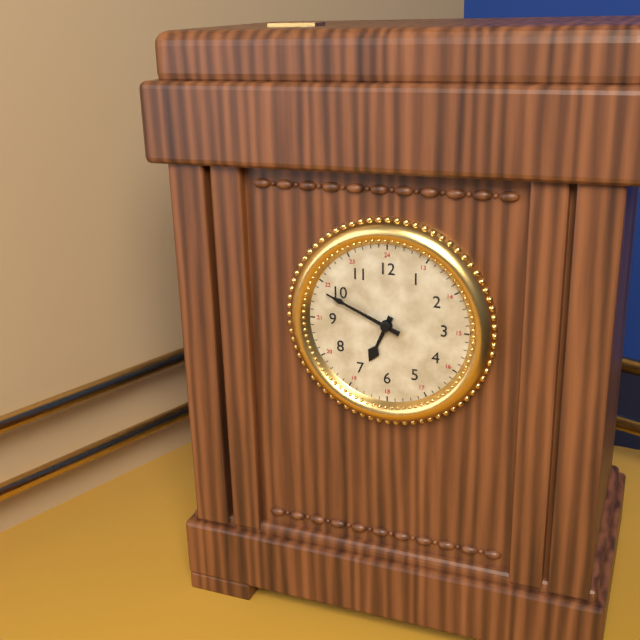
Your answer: 6,49
